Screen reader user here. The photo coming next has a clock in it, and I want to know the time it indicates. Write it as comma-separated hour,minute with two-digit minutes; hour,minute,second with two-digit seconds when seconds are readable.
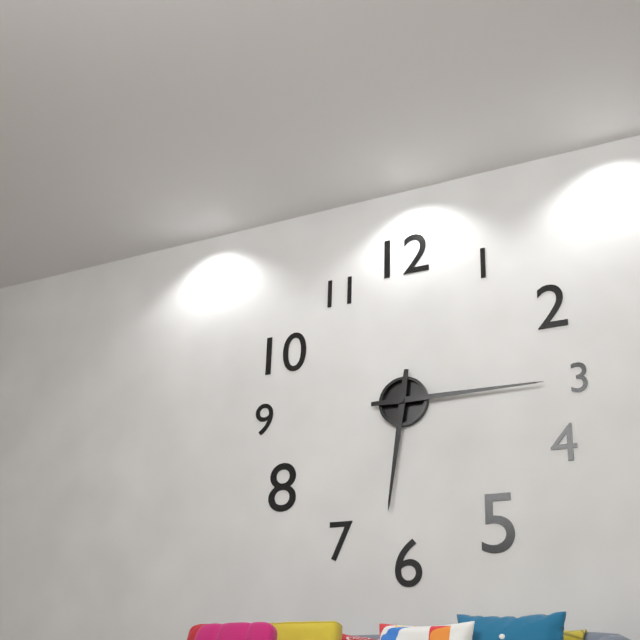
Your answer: 6,15
